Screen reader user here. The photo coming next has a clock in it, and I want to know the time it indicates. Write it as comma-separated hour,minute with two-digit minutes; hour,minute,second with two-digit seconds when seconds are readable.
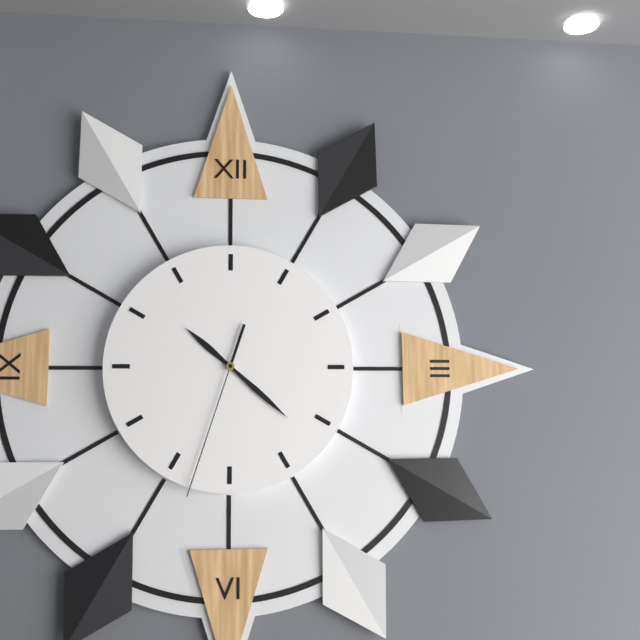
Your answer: 10,22,33
